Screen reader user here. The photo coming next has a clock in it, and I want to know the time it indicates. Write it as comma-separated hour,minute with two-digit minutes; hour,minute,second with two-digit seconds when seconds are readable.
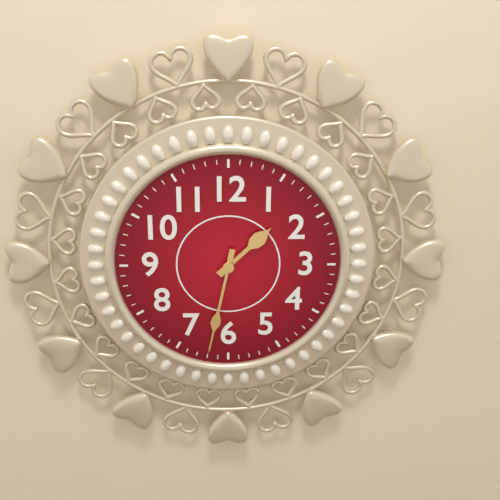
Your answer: 1,32
